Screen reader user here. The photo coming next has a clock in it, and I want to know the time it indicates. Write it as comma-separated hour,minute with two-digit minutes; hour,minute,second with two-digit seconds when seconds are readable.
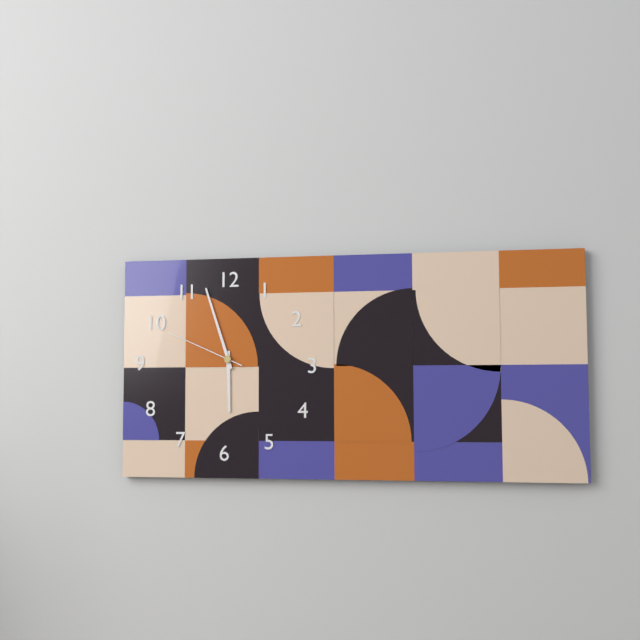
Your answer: 5,57,49
